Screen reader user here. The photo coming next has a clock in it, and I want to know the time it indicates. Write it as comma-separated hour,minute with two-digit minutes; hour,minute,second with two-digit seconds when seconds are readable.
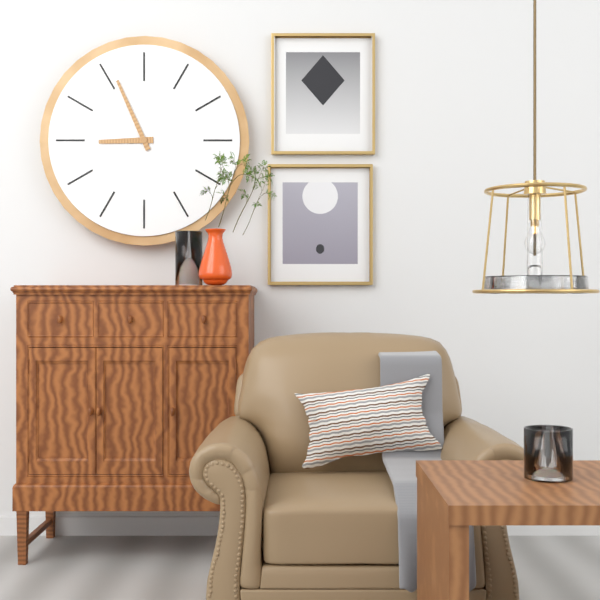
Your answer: 8,56
